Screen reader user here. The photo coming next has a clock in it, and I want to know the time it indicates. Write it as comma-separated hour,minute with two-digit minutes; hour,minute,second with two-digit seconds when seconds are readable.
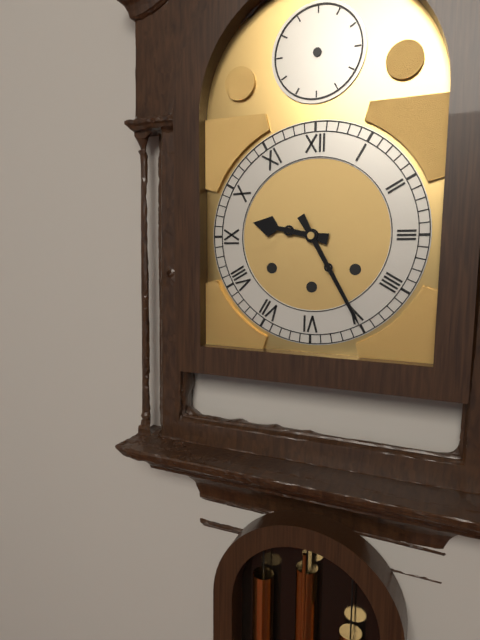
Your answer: 9,25
